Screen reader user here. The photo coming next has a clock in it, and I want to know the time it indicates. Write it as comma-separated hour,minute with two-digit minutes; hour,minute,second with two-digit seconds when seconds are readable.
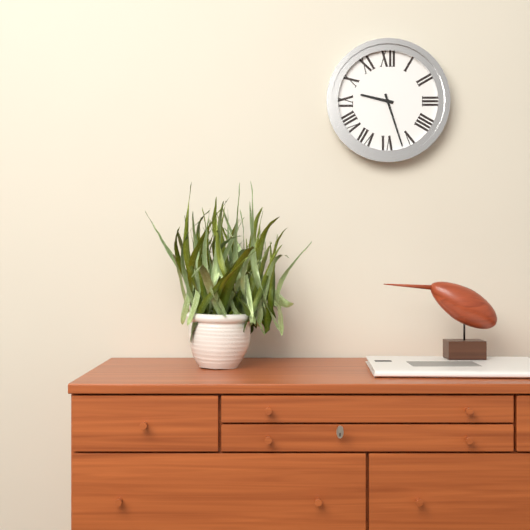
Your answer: 9,27
